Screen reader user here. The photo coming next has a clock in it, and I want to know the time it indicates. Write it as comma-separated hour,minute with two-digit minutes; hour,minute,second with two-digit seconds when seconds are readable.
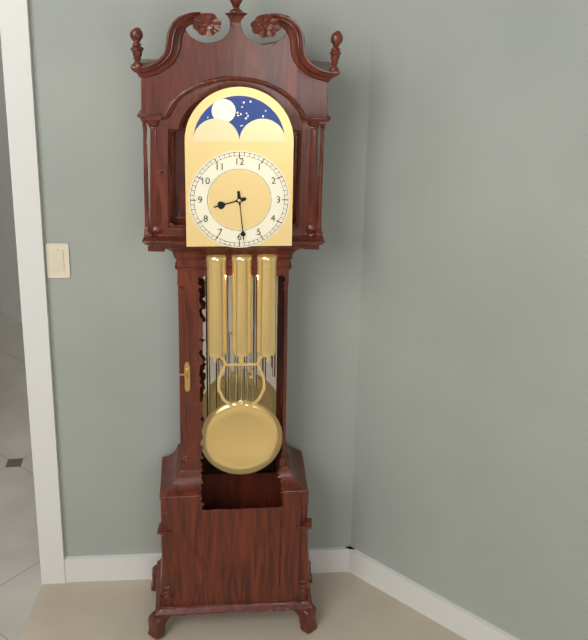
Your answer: 8,29
